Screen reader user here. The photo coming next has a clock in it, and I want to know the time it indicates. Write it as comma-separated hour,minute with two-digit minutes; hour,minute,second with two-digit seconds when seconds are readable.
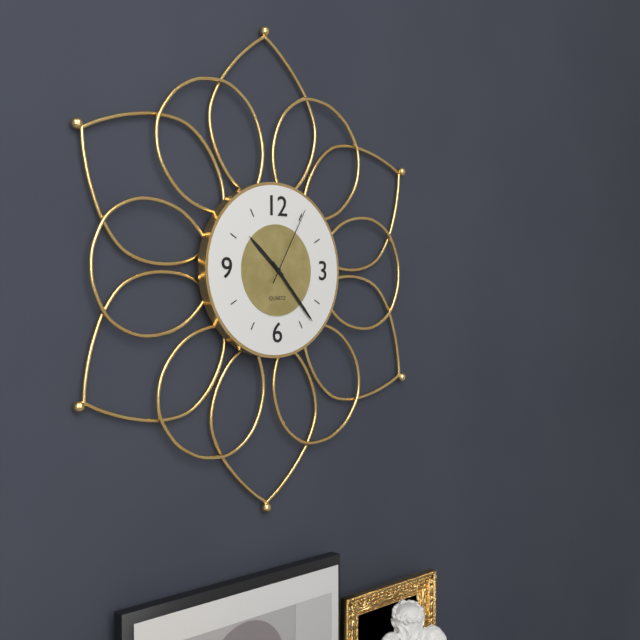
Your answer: 10,23,05
